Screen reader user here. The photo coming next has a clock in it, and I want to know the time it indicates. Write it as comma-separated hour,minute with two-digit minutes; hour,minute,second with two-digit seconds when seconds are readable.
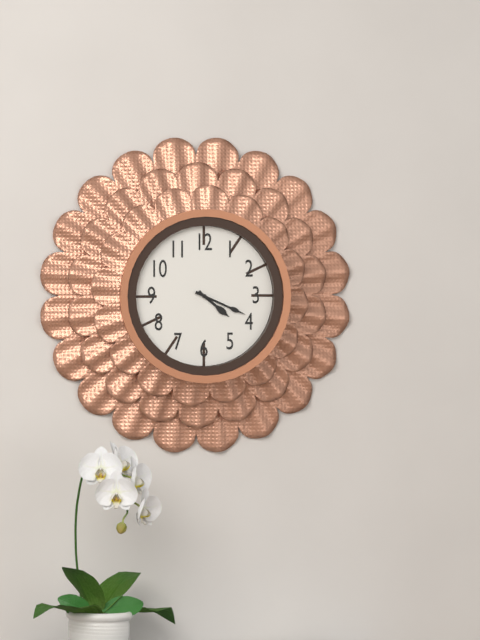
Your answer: 4,19
